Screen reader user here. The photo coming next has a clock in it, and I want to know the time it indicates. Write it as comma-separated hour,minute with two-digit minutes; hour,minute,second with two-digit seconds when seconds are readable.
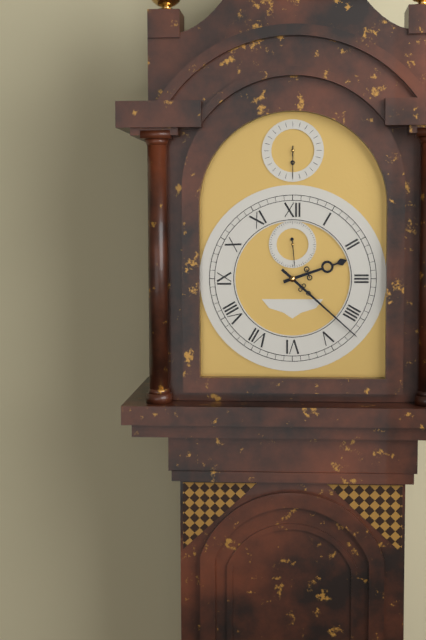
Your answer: 2,22
